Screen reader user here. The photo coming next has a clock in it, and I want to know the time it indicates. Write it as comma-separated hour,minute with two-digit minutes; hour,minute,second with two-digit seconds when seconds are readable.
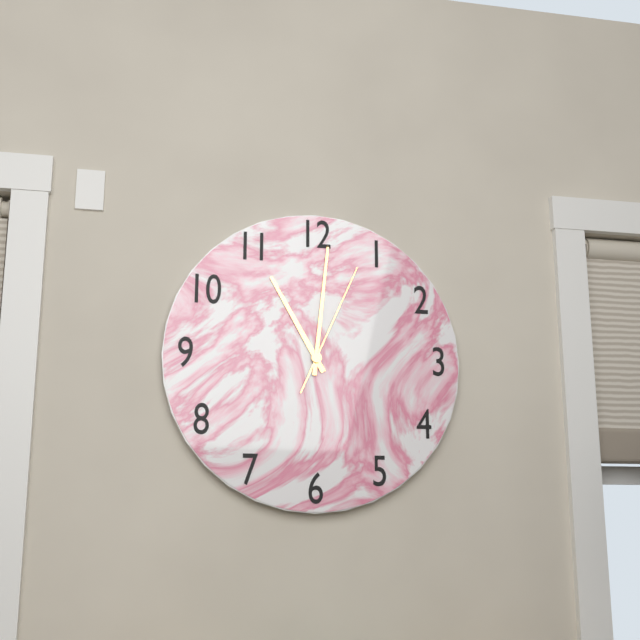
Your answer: 11,01,04
